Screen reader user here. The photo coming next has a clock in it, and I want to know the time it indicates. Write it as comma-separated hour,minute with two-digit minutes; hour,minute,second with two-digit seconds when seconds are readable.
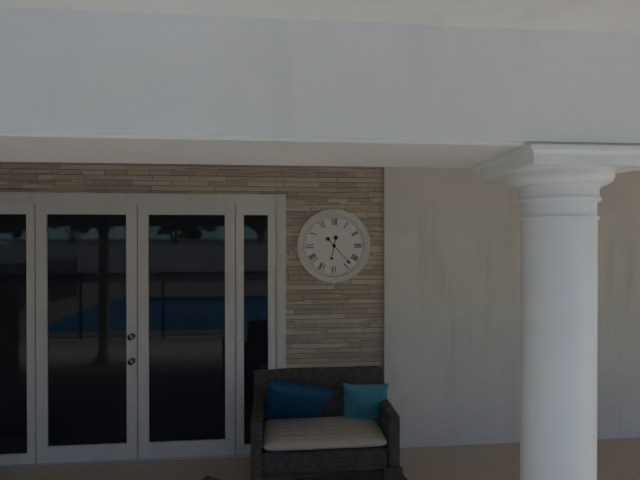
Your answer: 6,23
